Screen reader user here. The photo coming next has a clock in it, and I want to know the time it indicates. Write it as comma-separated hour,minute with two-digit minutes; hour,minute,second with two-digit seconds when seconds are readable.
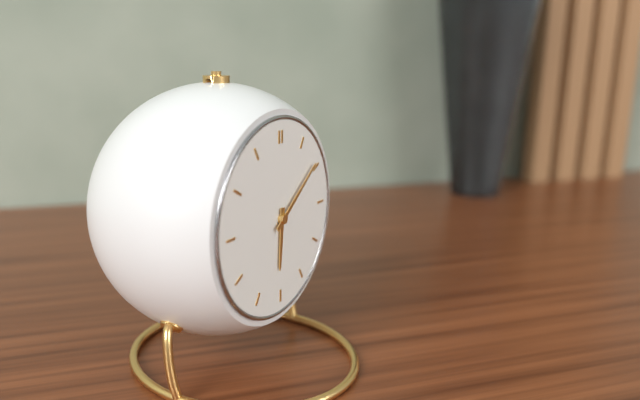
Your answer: 6,09
